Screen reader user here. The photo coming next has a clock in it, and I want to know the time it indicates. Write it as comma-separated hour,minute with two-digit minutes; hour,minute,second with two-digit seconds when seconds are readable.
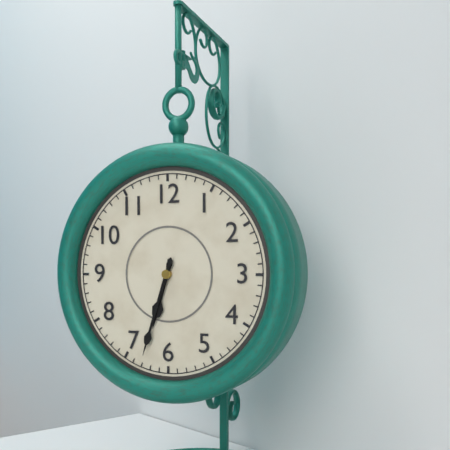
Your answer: 6,33
